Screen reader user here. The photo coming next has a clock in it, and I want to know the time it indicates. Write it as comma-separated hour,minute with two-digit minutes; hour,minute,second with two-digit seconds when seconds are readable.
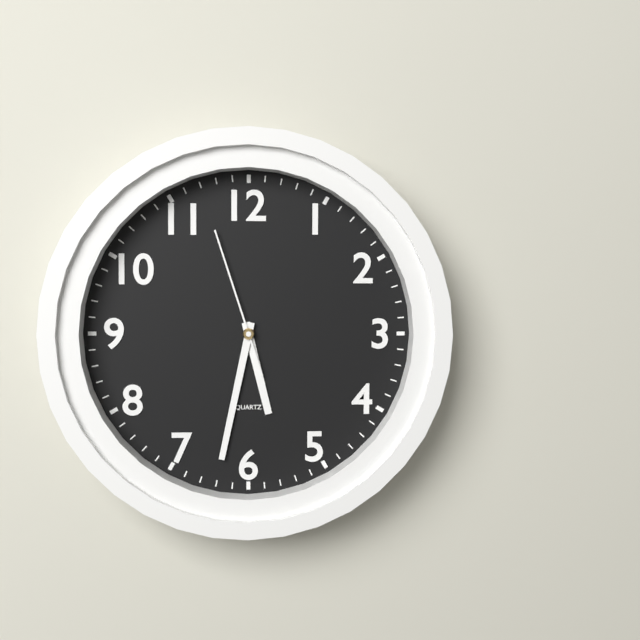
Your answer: 5,32,57
